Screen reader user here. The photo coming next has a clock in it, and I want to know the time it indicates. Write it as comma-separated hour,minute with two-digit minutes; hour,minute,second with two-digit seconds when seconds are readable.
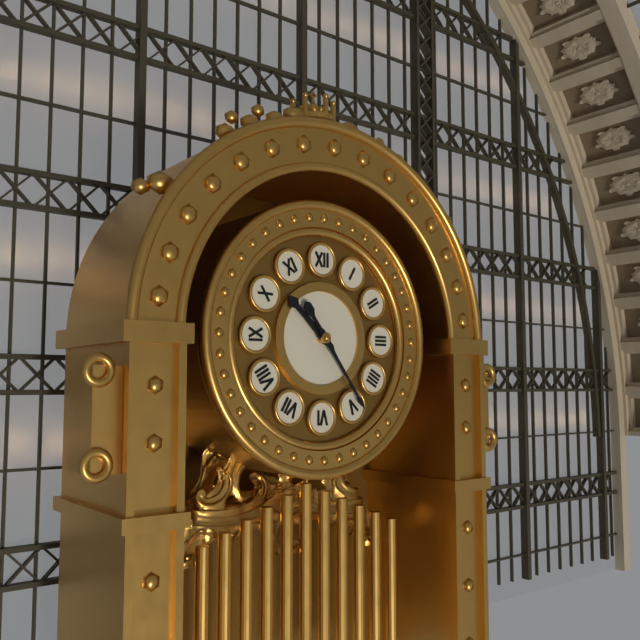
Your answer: 10,24
